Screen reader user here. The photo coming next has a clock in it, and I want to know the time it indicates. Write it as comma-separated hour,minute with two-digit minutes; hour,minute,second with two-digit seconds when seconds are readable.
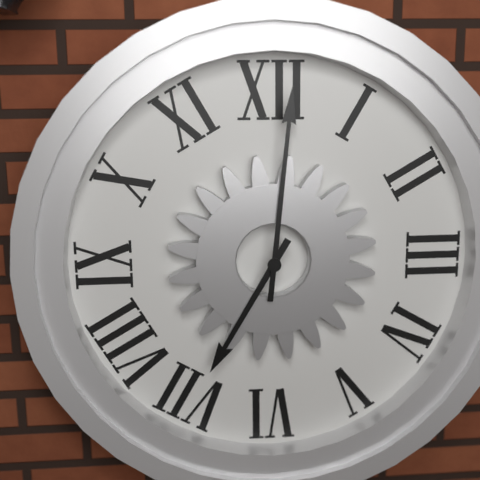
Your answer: 7,01
